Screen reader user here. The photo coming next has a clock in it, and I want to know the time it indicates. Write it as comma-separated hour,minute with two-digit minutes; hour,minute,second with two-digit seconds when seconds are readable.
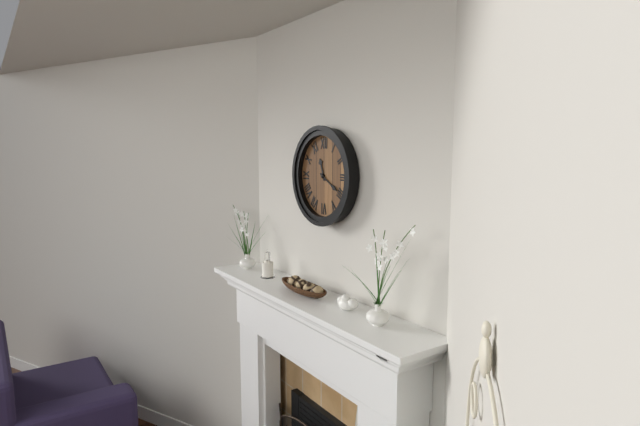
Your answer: 11,20
